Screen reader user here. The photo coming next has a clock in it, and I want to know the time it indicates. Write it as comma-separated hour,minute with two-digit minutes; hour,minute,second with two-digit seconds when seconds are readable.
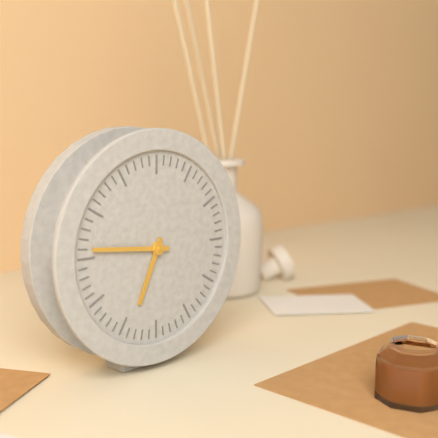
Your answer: 6,46
